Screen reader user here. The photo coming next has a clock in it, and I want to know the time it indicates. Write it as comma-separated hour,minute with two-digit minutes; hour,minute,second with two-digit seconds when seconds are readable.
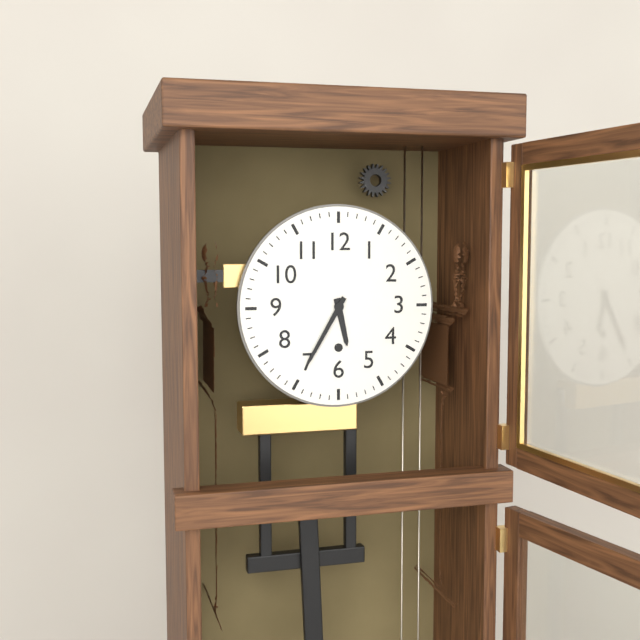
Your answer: 5,35
